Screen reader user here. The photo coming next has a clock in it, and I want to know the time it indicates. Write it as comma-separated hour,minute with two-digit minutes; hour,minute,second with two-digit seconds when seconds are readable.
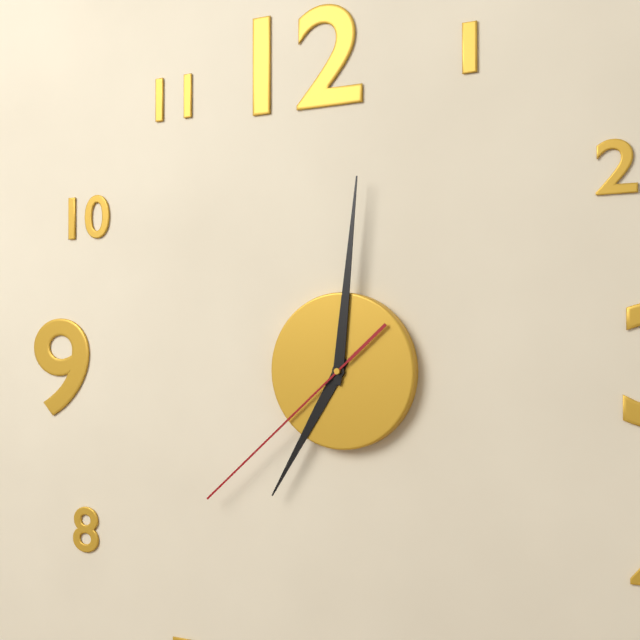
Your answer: 7,01,38
